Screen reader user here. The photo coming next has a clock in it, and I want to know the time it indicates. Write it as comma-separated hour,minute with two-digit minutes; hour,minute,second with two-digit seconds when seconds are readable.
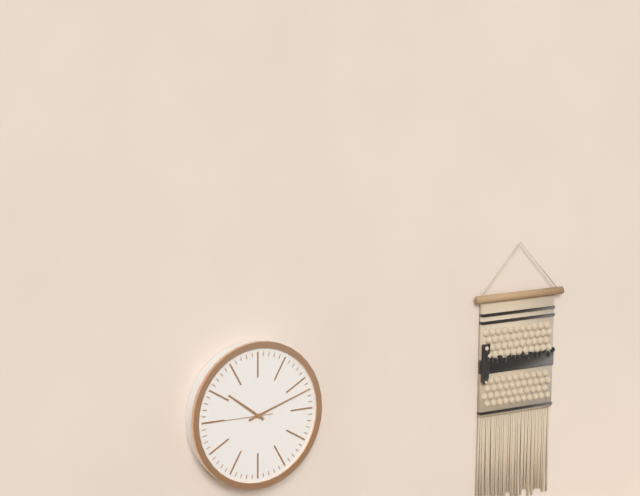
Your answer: 10,12,45
